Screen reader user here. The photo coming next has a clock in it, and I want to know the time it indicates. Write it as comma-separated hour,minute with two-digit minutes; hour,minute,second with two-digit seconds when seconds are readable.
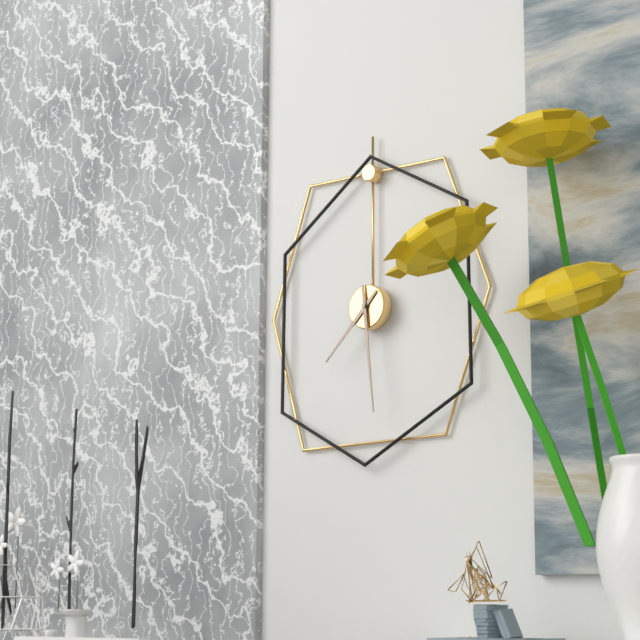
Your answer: 7,29
